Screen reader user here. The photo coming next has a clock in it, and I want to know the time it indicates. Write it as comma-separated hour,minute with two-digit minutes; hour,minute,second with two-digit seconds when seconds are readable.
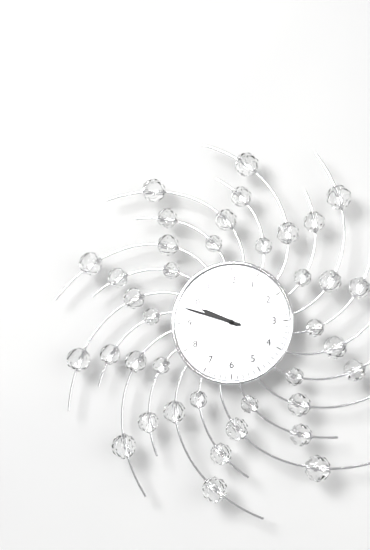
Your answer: 9,48
